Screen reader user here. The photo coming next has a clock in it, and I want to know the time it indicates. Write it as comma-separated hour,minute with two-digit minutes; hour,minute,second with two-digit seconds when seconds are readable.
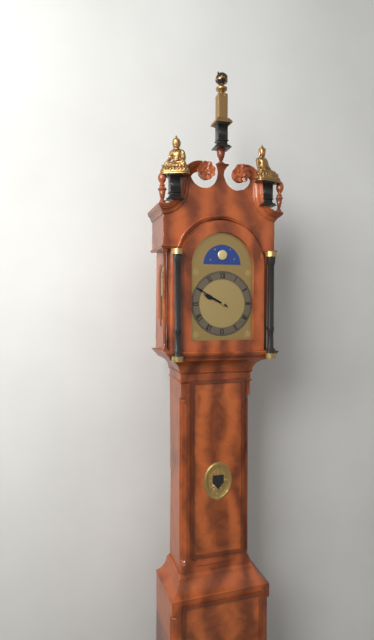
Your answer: 9,50
